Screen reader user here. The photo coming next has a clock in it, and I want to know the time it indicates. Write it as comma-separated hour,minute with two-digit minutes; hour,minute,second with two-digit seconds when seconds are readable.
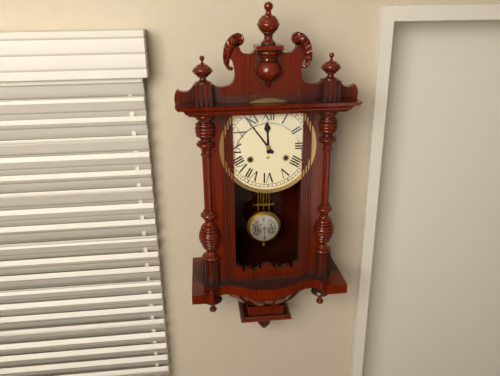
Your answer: 11,54
